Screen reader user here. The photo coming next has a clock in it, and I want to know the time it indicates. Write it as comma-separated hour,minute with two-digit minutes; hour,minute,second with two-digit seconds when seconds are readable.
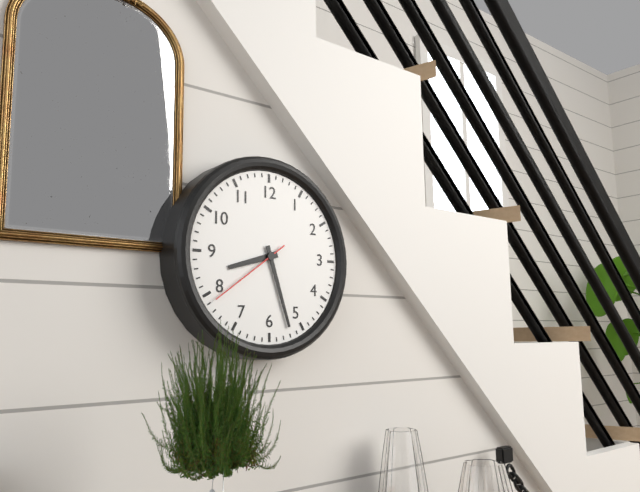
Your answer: 8,27,39
